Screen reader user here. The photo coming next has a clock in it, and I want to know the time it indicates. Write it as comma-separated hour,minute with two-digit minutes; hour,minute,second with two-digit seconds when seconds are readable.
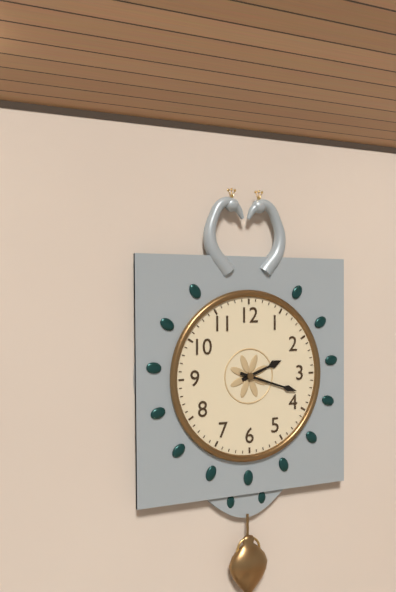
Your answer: 2,18
